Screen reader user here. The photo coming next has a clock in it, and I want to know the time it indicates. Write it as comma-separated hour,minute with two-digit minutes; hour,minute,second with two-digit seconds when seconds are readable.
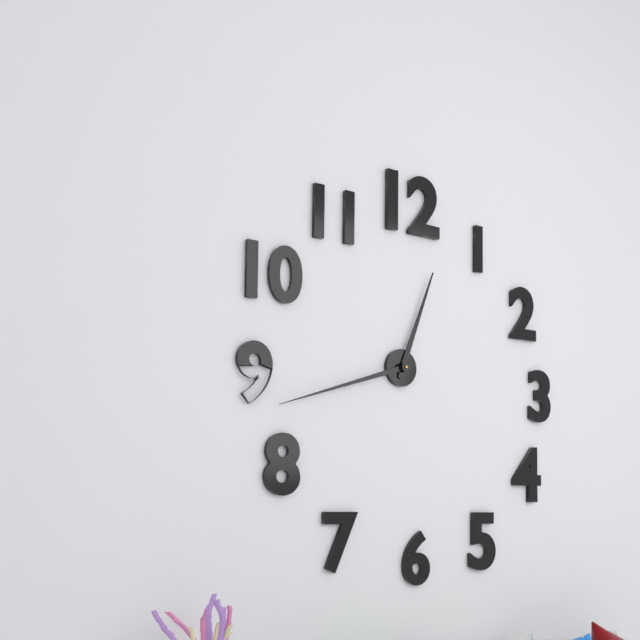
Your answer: 12,42
